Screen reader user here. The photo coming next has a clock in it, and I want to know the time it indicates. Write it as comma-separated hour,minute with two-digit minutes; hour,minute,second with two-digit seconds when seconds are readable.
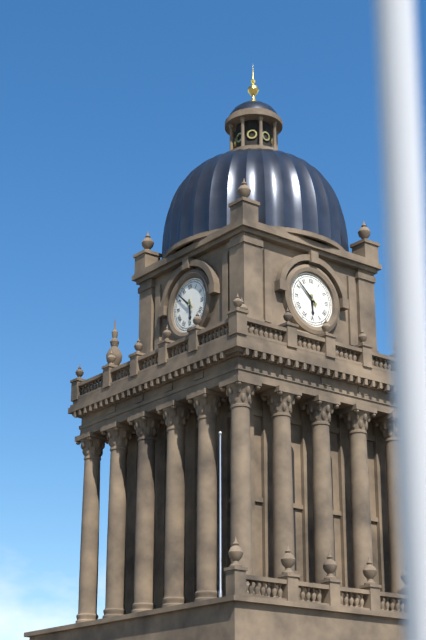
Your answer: 5,52
